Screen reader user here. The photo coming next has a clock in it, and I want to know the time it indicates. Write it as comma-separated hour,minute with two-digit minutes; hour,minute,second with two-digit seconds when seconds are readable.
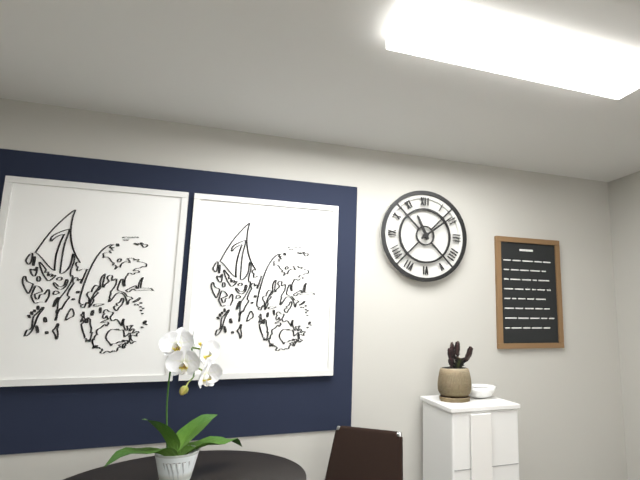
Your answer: 11,09
